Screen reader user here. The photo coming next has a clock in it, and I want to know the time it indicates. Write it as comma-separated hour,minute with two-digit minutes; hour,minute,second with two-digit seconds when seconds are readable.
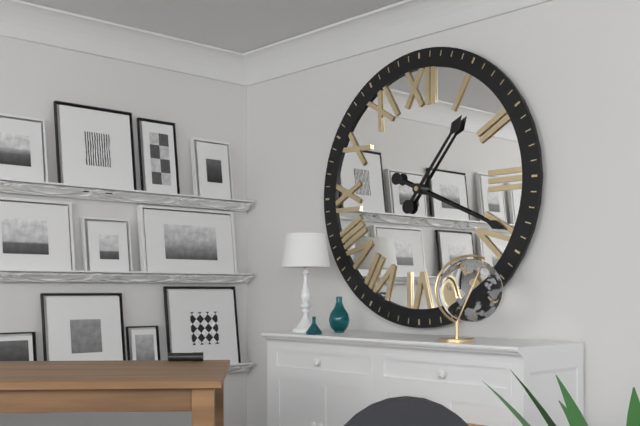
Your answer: 1,19
